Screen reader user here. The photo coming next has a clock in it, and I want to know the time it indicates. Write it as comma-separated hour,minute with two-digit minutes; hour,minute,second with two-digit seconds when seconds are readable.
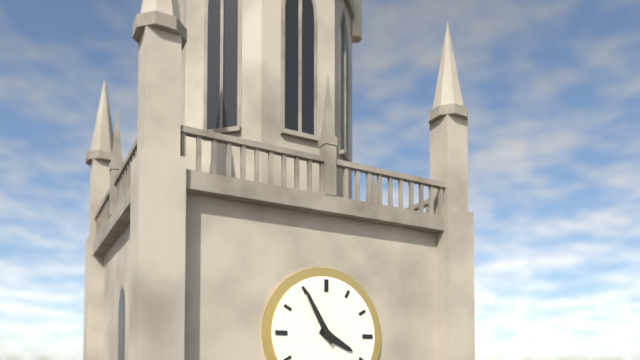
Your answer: 3,55
